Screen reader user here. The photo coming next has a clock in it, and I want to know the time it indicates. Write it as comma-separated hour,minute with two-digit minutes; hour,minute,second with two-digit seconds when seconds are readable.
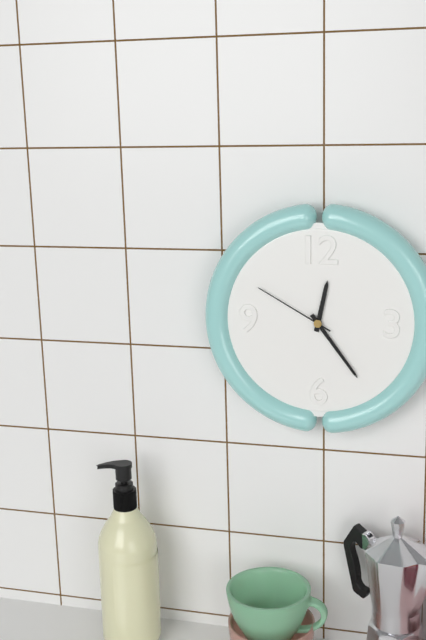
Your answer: 12,24,50
